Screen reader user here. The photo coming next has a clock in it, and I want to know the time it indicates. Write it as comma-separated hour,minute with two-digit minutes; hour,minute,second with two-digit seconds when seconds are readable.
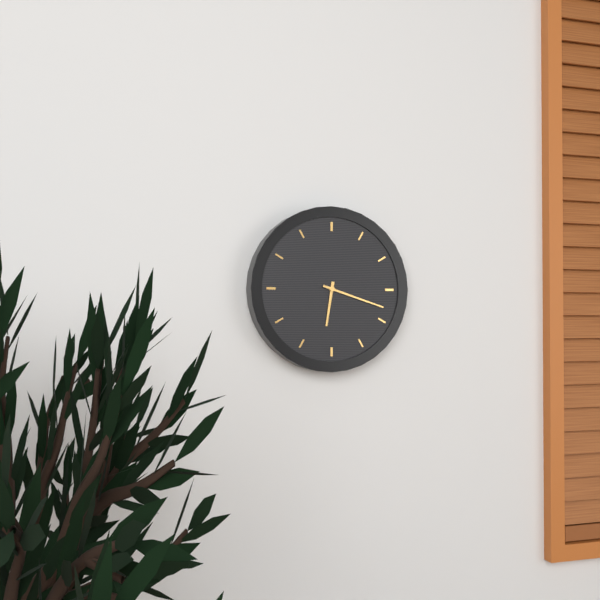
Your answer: 6,18
